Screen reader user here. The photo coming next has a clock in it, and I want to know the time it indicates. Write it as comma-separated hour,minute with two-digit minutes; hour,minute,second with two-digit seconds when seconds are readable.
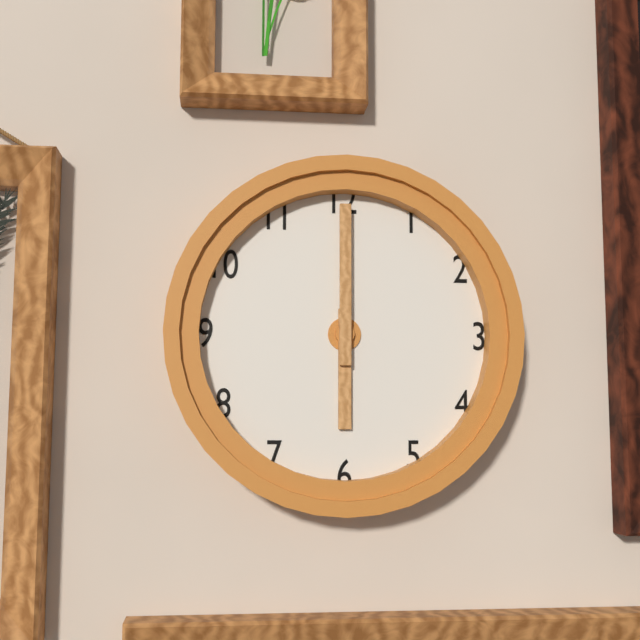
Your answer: 6,00
